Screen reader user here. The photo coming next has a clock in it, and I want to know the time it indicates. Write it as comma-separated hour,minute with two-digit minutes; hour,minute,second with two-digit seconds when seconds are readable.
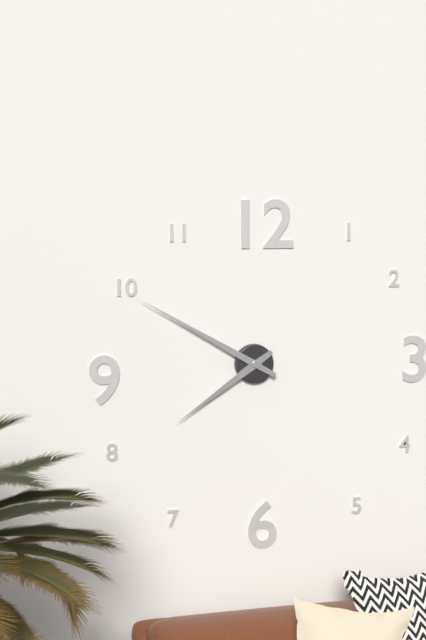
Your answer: 7,50
